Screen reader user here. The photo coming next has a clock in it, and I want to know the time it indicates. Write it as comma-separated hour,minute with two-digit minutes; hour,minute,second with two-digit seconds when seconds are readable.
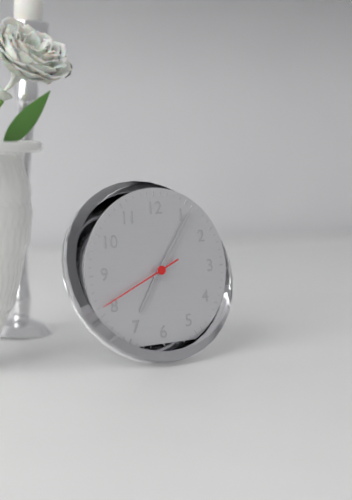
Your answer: 7,06,41
